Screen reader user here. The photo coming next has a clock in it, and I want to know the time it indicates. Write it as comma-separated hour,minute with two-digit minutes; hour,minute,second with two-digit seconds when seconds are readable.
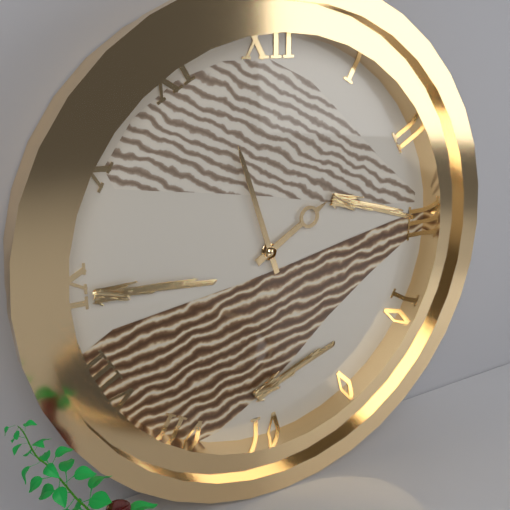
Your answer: 1,57
